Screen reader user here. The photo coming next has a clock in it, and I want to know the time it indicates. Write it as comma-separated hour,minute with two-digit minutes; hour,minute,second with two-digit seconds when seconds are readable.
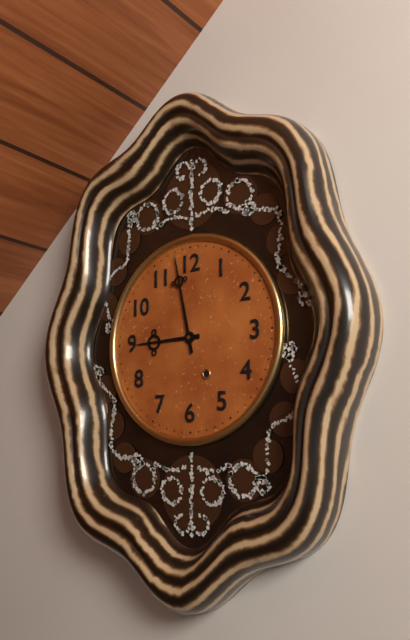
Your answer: 8,58
